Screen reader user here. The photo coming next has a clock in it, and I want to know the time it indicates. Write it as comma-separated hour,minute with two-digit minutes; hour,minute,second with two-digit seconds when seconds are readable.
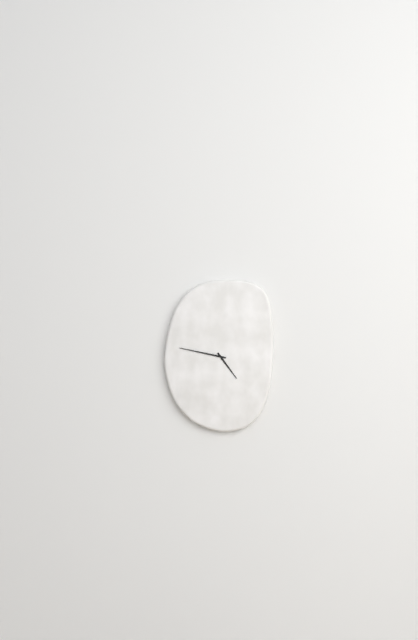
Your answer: 4,47
